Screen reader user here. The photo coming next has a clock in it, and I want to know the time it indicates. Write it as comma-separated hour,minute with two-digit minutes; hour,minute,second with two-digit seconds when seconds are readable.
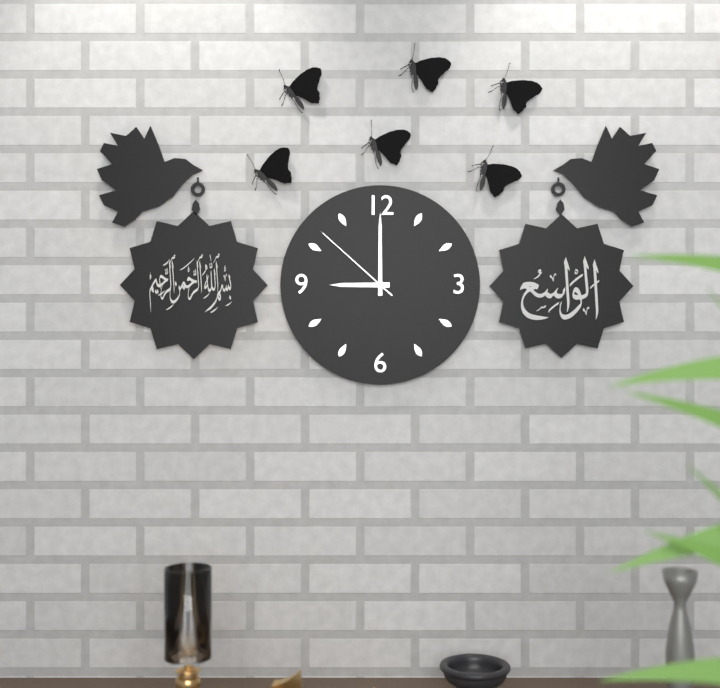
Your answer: 9,00,52
